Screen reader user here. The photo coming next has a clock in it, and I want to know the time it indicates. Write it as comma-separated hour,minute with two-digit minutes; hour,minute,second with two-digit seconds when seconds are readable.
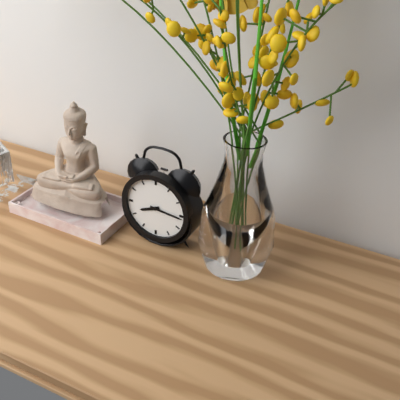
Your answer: 8,16
